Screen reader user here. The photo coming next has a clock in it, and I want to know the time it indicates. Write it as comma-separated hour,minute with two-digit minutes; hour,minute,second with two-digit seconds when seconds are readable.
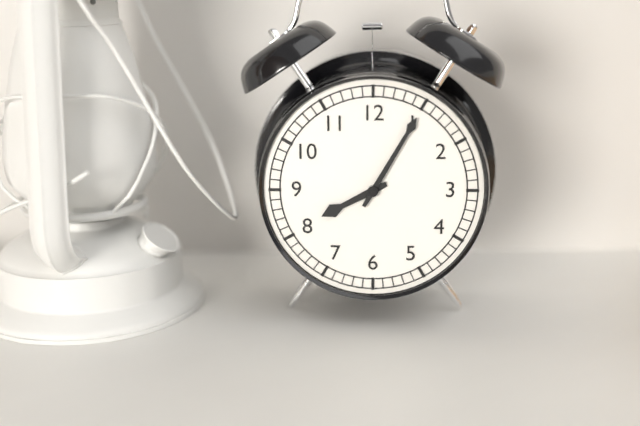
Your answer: 8,05
